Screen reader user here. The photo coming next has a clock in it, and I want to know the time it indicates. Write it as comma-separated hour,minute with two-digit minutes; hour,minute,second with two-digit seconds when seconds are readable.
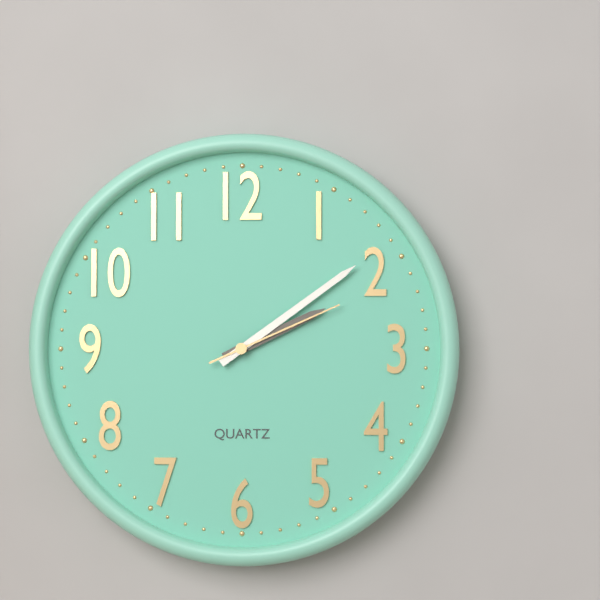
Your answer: 2,09,11
